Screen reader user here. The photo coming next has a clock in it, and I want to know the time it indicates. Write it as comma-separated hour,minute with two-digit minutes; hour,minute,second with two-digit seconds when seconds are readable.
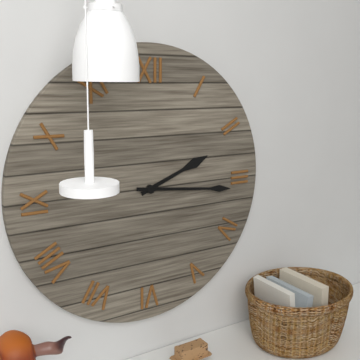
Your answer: 2,16
